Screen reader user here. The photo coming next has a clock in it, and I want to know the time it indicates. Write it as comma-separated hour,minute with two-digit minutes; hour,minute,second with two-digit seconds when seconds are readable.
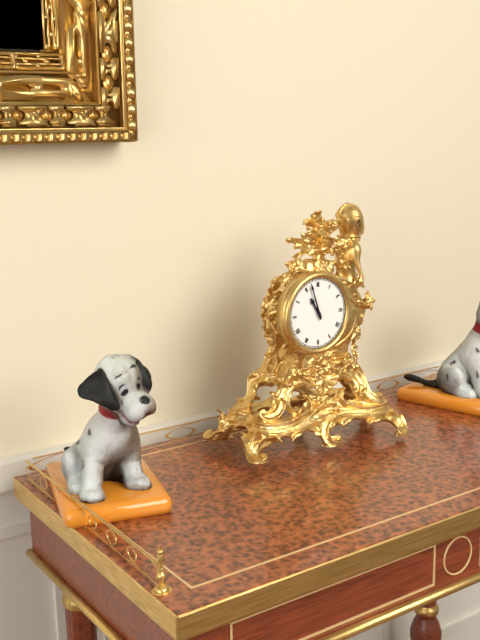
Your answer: 10,57
